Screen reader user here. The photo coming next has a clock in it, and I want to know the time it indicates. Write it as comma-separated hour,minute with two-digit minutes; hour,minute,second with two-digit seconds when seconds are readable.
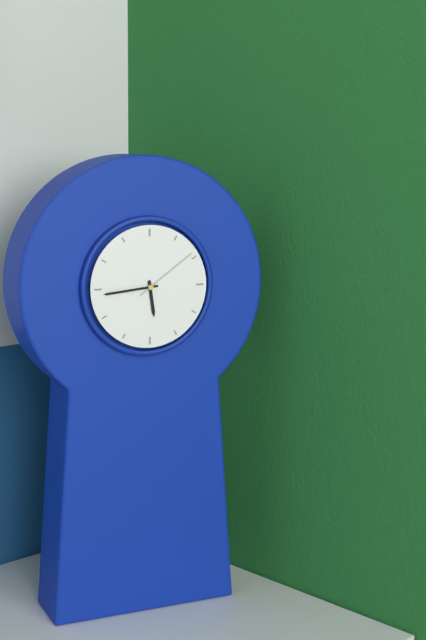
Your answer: 5,44,09
